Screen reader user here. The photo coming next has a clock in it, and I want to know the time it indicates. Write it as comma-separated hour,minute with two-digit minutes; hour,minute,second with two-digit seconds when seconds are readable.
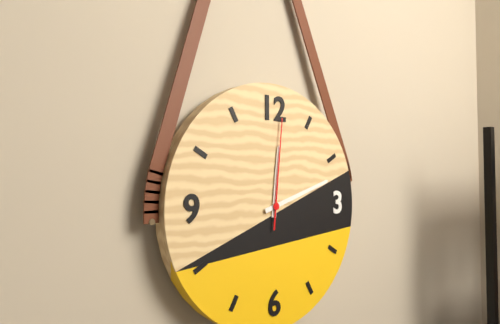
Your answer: 12,12,01
